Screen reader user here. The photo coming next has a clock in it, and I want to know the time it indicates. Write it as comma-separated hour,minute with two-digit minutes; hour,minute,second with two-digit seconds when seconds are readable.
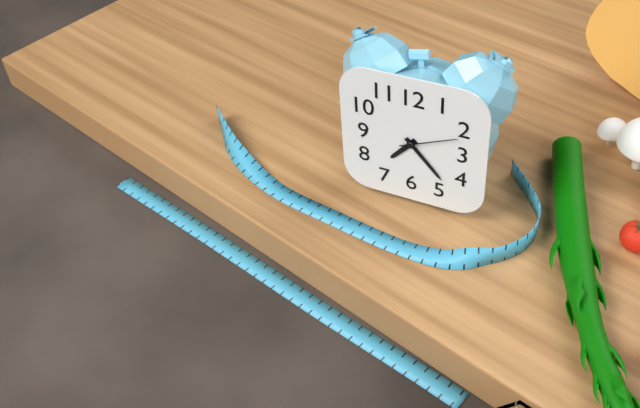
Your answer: 7,23,11
